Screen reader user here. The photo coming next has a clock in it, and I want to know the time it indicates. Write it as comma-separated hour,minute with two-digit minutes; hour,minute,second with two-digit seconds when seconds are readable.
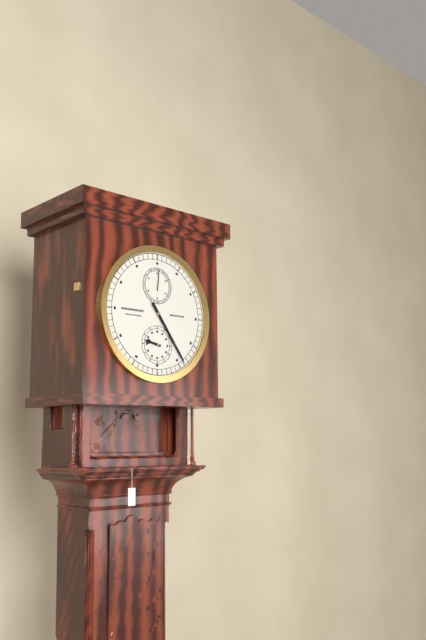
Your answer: 9,24
